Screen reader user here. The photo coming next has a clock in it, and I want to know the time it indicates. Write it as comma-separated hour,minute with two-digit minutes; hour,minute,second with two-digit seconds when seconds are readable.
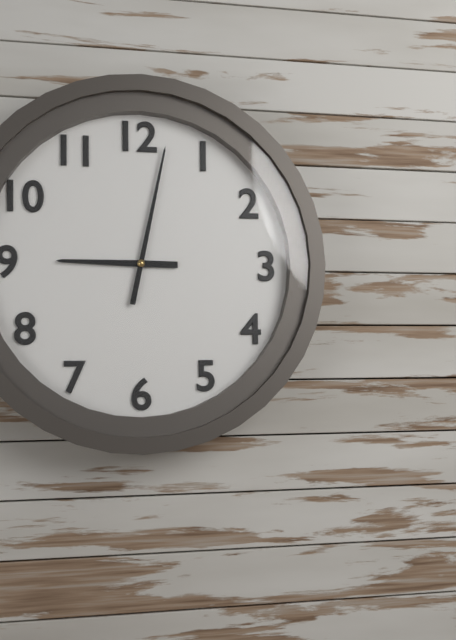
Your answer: 9,02
